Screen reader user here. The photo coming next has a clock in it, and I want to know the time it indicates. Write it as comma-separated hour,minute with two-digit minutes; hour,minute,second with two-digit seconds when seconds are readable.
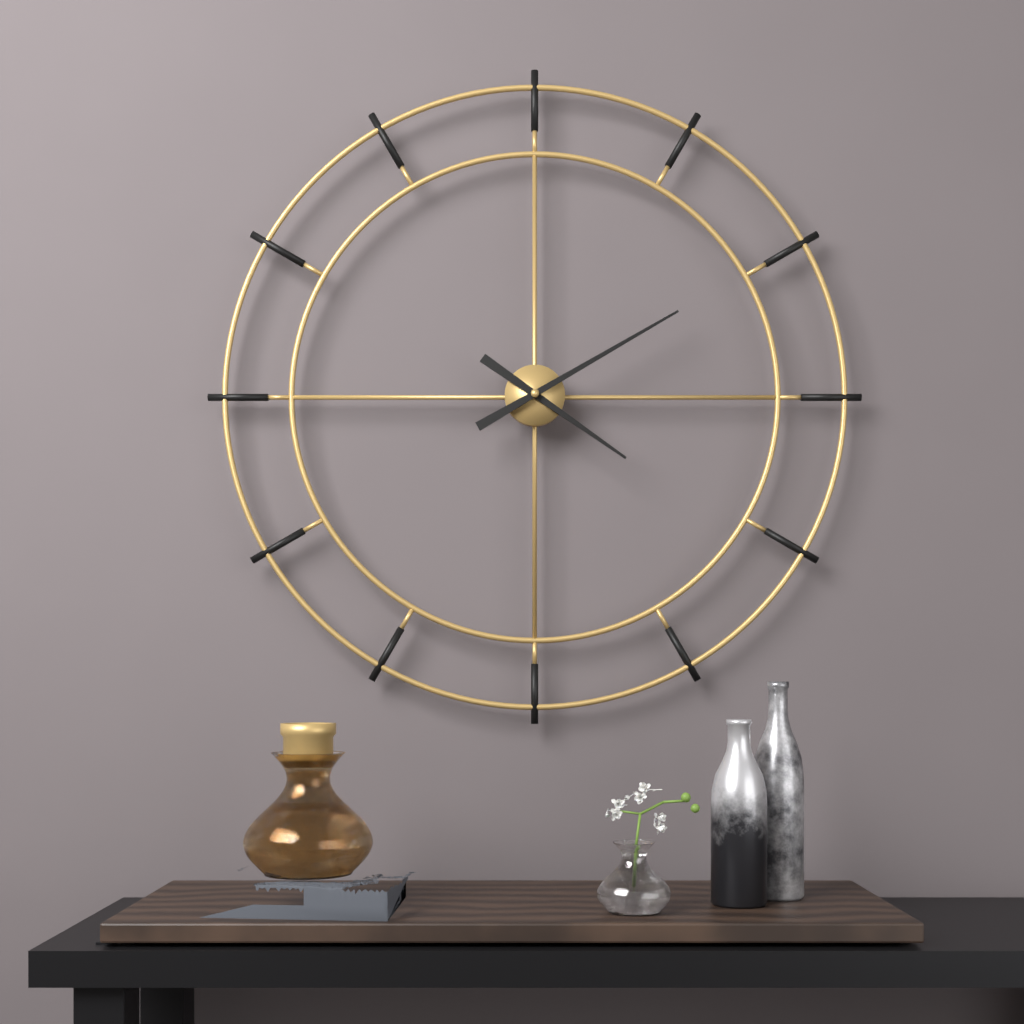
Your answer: 4,10
